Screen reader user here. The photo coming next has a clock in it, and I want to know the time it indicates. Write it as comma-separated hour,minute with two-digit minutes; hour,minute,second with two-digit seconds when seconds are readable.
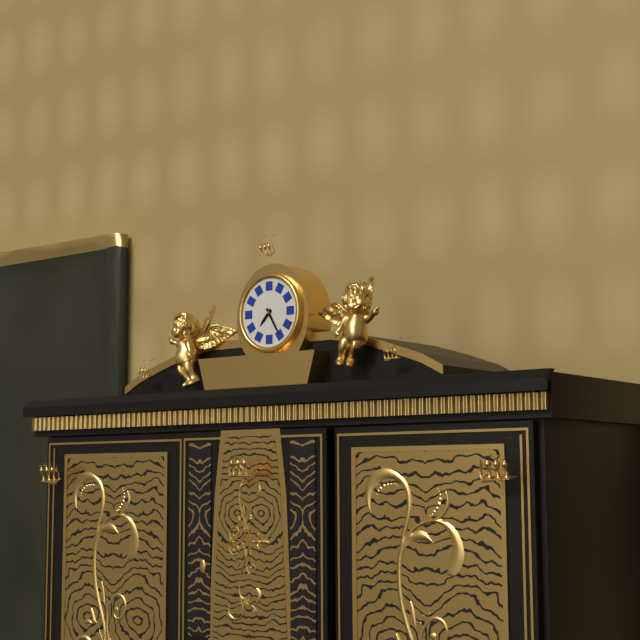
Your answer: 7,25
